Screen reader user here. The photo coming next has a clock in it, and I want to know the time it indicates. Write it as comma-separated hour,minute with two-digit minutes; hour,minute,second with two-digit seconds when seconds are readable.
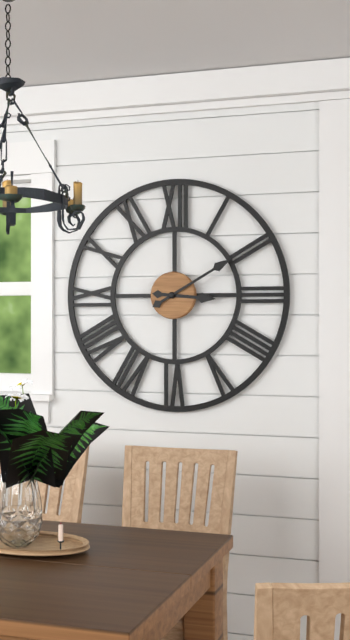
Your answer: 3,10
